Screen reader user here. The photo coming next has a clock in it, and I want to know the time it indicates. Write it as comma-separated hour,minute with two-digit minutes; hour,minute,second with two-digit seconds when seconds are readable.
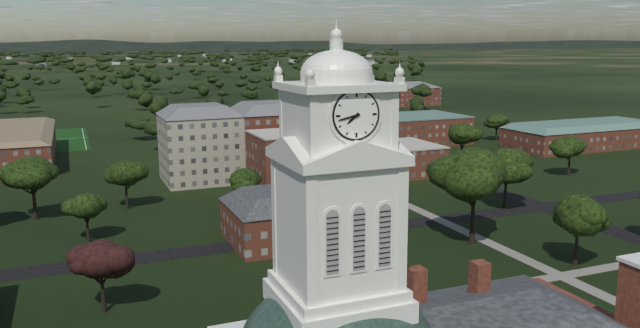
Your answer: 7,43
